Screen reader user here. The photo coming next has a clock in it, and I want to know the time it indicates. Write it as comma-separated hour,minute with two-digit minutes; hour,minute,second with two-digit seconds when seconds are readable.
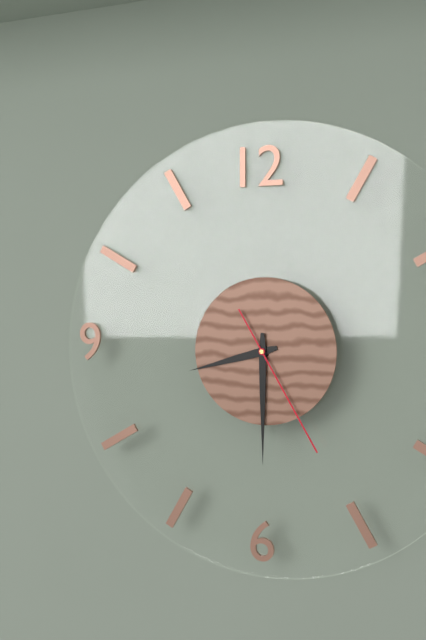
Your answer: 8,30,25
